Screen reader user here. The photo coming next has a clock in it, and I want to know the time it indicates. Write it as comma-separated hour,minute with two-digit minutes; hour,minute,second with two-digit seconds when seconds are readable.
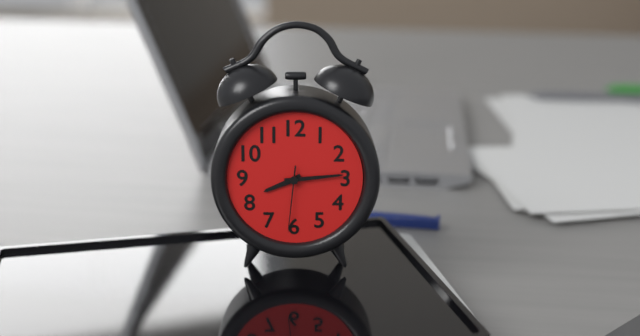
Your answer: 8,14,31
